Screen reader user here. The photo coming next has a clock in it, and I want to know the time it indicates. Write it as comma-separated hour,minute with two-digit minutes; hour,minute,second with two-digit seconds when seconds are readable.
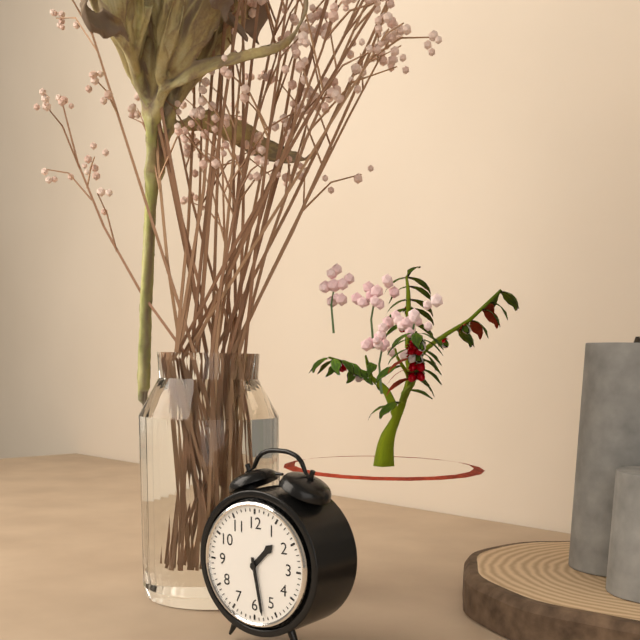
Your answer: 1,28
